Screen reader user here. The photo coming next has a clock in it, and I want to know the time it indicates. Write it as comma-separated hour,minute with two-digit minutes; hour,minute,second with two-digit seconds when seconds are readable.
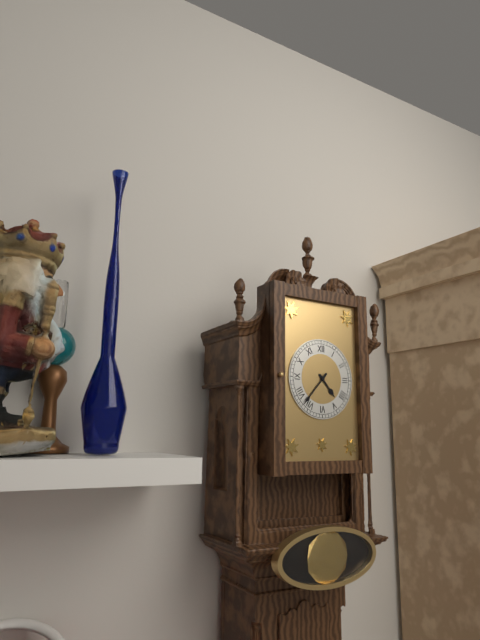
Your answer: 4,37
